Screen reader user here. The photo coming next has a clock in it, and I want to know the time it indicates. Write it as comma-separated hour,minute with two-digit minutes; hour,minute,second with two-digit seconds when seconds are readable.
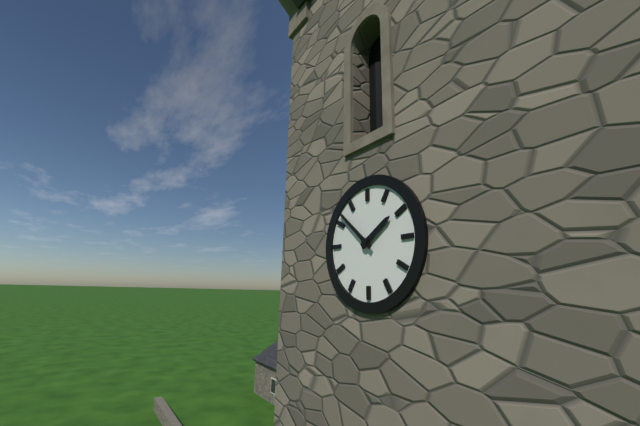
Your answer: 1,52
